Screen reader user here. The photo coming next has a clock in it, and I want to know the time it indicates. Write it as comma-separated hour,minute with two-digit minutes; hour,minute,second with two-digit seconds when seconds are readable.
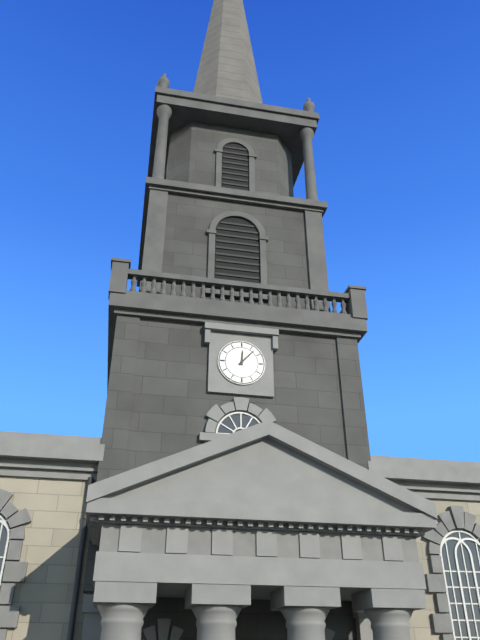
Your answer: 12,07
